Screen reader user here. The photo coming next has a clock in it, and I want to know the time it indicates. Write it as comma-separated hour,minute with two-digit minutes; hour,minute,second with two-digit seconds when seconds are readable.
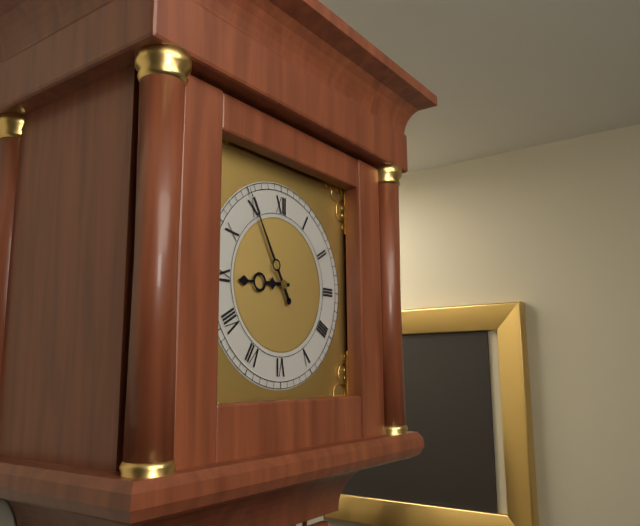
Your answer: 8,55
